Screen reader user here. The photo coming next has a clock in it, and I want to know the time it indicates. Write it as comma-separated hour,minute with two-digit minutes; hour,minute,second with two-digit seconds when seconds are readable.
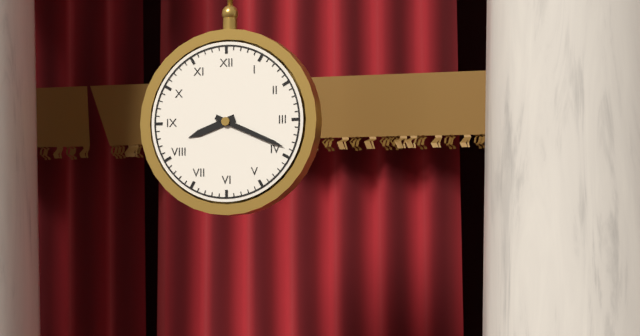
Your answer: 8,19
